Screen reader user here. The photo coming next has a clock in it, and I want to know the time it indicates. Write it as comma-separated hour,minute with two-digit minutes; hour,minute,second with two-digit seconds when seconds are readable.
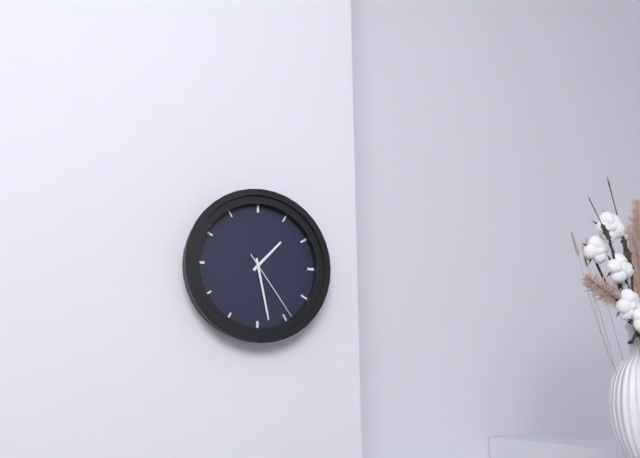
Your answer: 1,28,24
